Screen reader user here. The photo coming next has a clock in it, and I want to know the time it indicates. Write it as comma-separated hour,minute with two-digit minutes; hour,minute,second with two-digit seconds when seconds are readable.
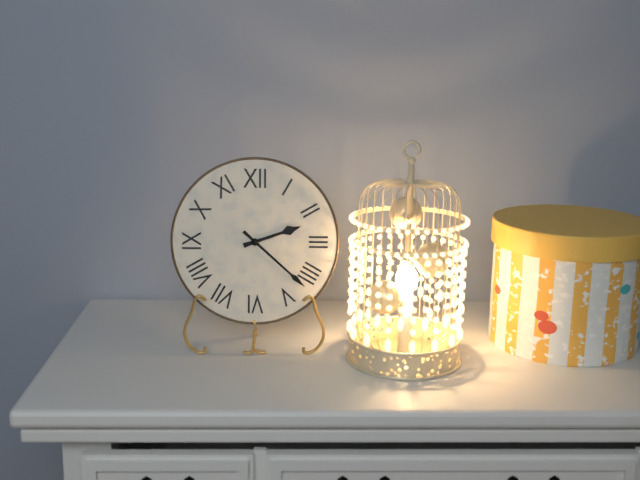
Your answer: 2,22
